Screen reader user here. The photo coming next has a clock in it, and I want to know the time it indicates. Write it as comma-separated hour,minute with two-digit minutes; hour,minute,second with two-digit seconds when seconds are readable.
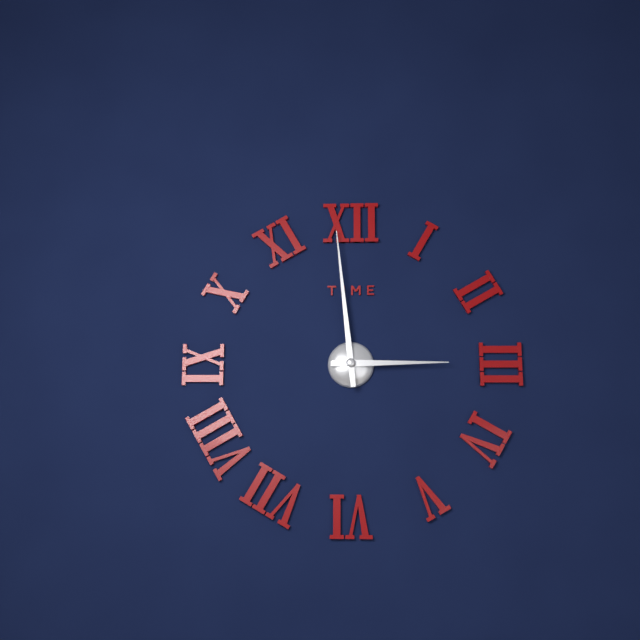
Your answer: 2,59
